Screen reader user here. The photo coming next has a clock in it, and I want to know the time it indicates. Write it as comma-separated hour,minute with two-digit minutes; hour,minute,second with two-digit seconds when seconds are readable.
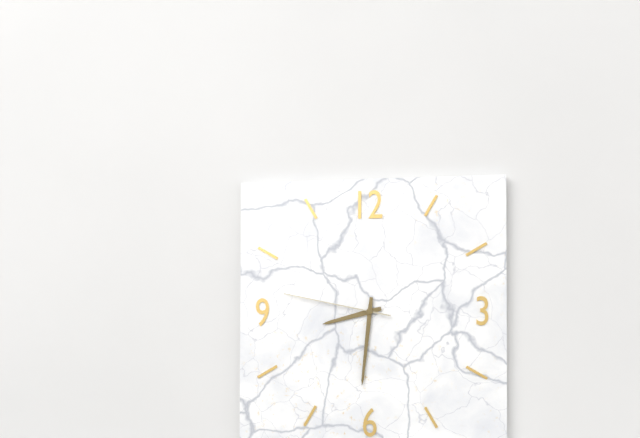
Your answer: 8,31,47
